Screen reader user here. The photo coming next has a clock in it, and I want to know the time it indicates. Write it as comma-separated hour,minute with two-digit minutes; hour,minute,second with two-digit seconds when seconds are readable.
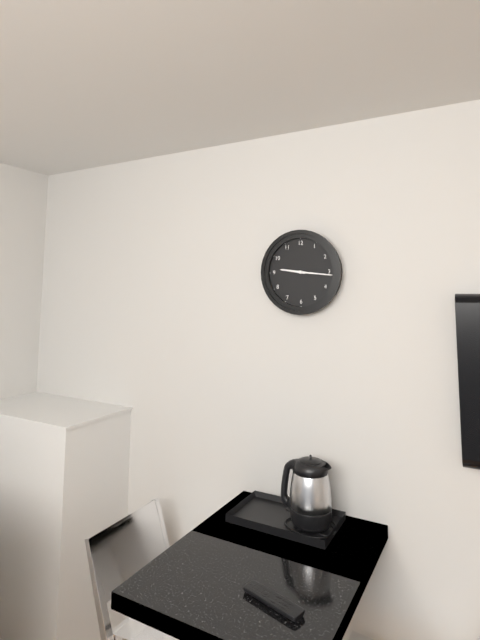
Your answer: 9,16
